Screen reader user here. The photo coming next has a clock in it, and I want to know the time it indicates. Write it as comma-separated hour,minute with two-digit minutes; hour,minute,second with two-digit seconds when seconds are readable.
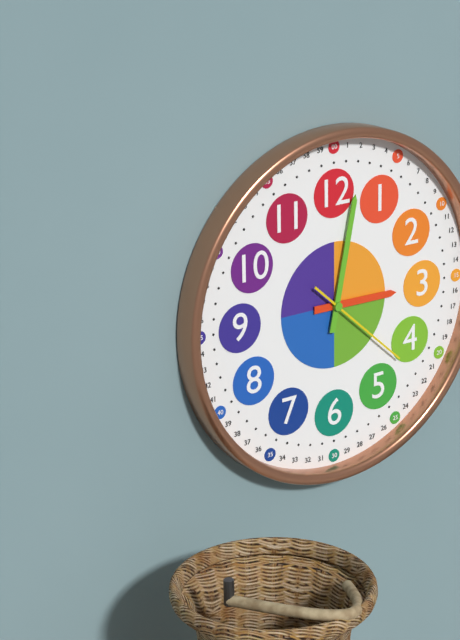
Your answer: 3,02,22
